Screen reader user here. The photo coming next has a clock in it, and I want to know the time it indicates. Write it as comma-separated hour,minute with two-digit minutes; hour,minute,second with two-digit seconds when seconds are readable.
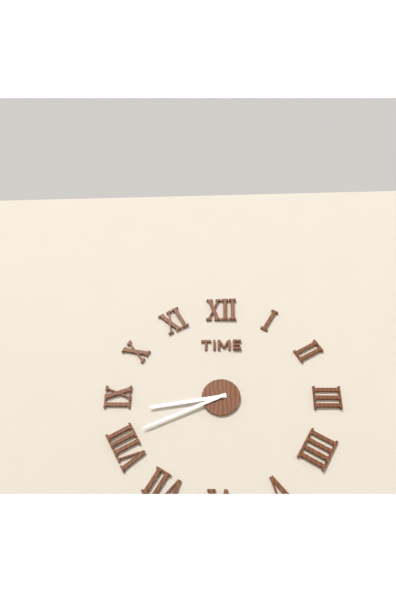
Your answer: 8,41
